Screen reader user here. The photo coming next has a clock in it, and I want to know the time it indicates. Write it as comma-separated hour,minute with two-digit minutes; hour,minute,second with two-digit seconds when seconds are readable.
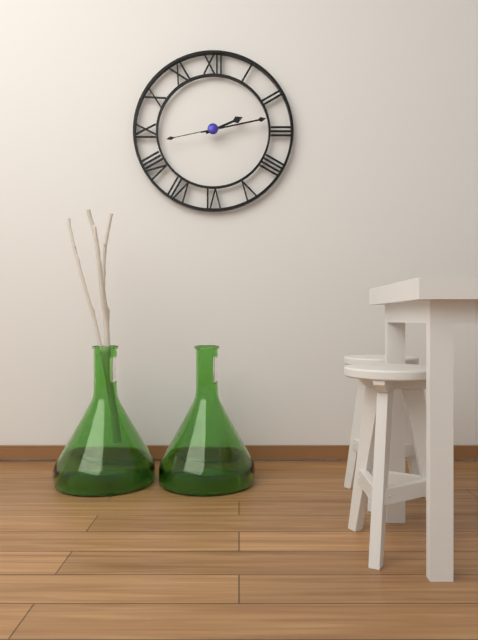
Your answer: 2,13,13
